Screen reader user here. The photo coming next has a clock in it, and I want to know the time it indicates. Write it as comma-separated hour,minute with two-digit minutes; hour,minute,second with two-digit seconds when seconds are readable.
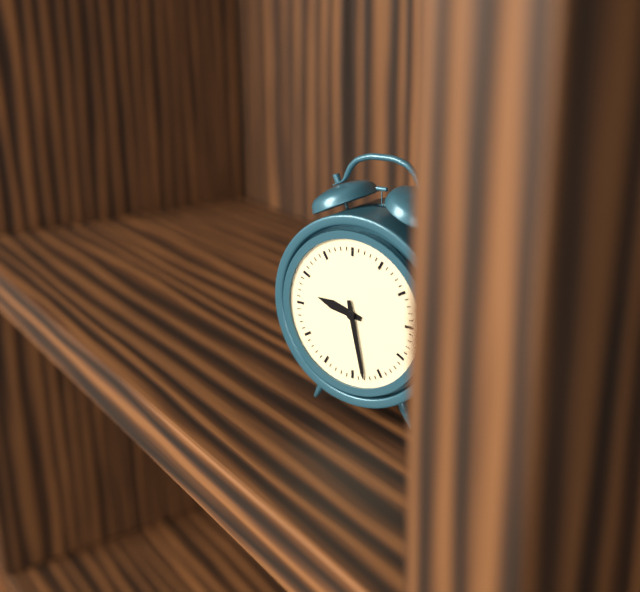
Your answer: 9,28
